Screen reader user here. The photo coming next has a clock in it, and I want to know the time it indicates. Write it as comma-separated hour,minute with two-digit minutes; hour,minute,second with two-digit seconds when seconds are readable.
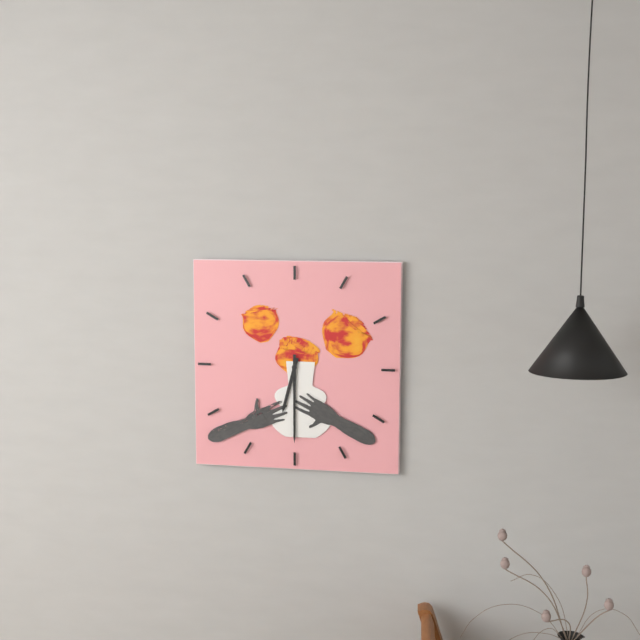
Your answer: 6,30
